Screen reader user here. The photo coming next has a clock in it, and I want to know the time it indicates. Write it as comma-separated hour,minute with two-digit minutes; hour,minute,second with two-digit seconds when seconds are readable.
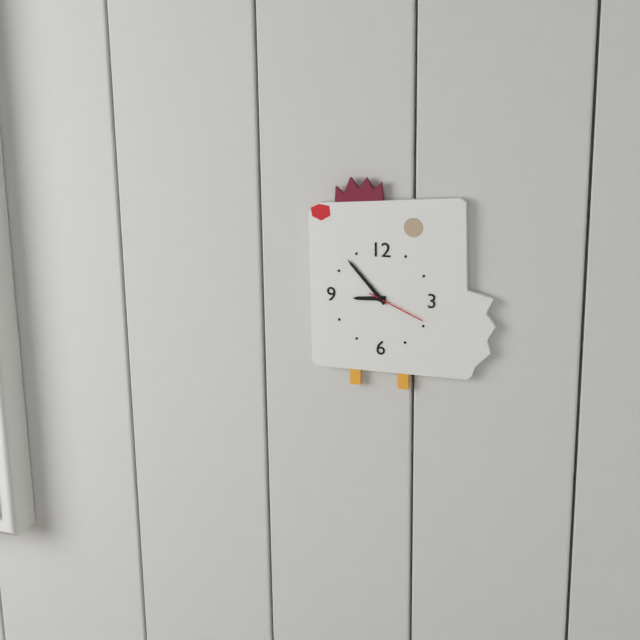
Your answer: 8,53,19
